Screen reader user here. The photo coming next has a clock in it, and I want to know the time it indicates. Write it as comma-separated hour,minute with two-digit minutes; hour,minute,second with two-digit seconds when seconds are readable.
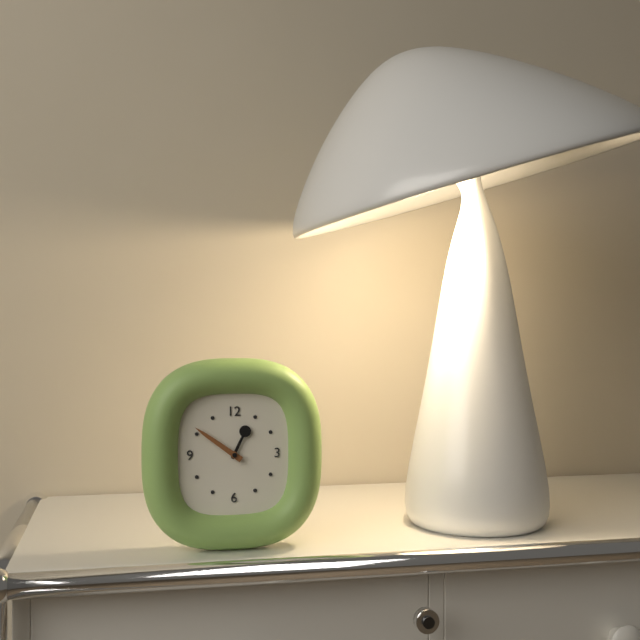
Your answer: 12,51
